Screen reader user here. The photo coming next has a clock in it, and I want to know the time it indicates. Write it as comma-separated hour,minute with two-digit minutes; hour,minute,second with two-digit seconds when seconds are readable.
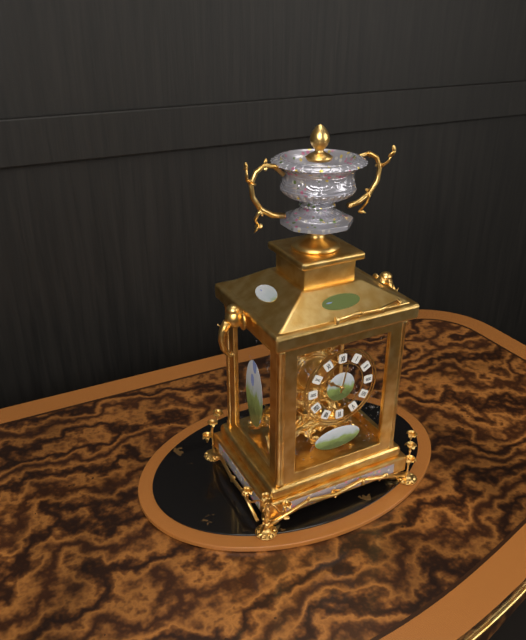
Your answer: 10,02
